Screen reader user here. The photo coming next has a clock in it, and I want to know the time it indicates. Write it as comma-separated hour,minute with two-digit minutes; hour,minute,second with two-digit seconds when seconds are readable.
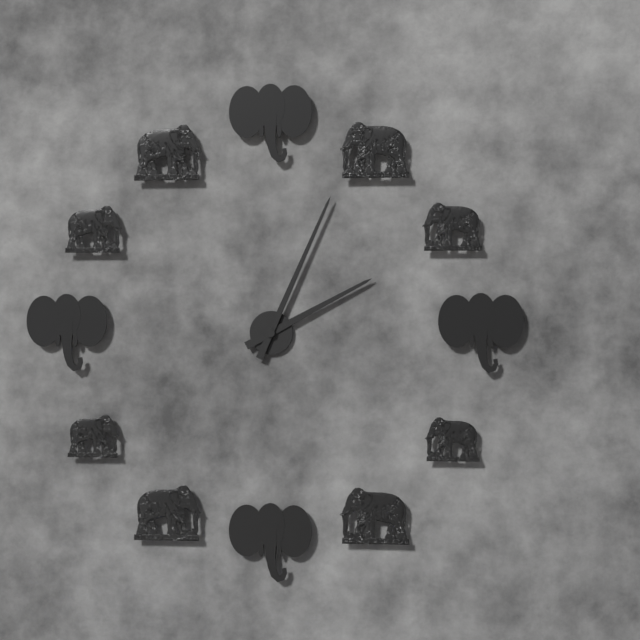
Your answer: 2,04
